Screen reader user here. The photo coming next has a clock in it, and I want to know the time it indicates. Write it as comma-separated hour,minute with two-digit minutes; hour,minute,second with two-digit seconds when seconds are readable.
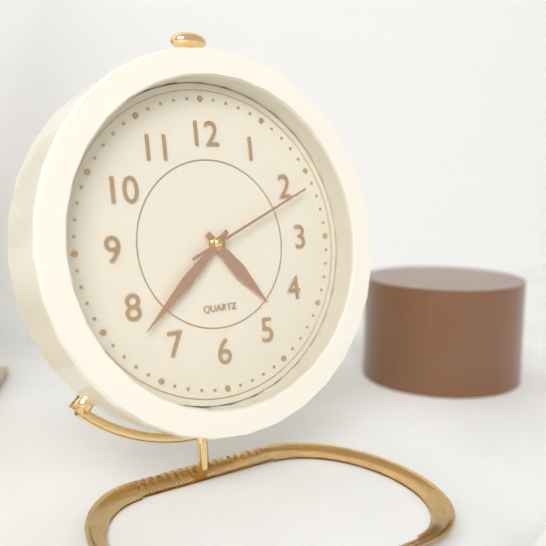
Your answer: 4,38,11
